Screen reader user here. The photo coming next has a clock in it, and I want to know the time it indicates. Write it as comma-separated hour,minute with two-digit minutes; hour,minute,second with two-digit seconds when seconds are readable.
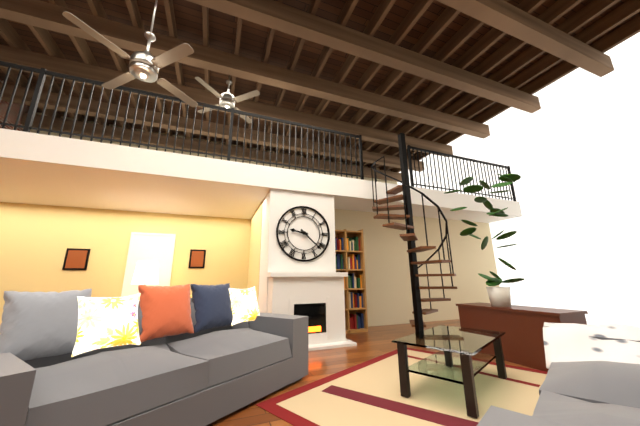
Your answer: 9,22
